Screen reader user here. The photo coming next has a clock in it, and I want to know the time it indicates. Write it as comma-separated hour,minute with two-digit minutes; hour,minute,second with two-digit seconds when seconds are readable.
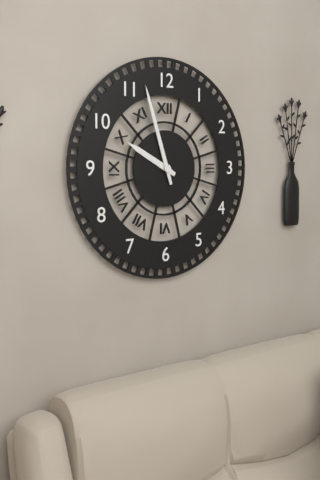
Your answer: 9,57
